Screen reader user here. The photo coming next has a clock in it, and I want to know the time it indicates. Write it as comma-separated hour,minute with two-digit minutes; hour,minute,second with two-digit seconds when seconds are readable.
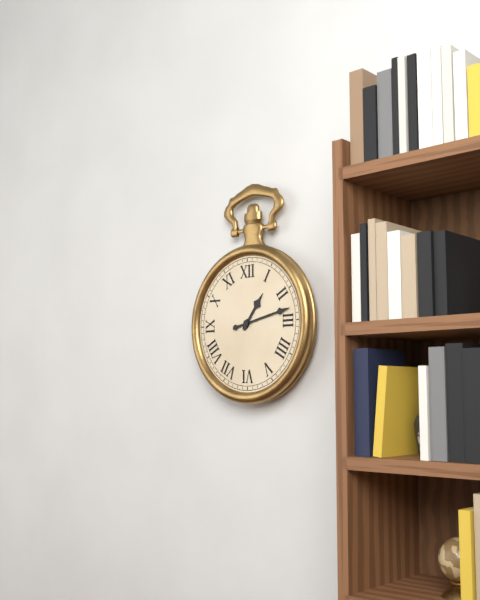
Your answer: 1,13
